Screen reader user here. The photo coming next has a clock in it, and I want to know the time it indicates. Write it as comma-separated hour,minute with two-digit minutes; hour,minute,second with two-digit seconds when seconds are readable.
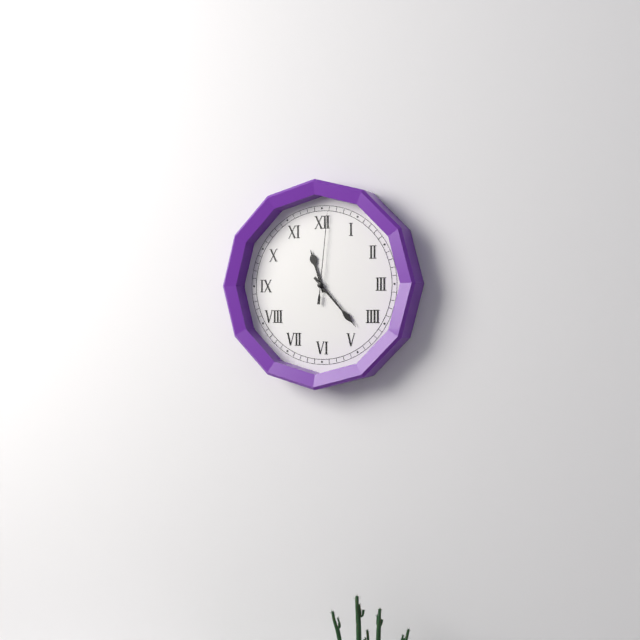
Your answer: 11,23,01
